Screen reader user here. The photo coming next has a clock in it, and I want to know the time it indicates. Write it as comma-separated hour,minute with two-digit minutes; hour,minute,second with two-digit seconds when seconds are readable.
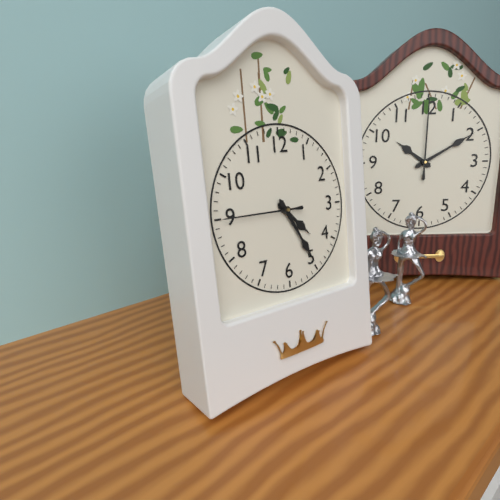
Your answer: 4,25,45
